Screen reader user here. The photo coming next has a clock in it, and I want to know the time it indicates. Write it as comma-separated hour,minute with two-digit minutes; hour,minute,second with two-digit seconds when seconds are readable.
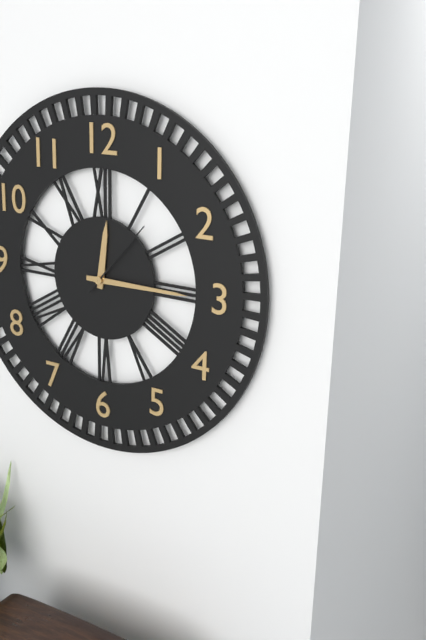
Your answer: 12,15,07
